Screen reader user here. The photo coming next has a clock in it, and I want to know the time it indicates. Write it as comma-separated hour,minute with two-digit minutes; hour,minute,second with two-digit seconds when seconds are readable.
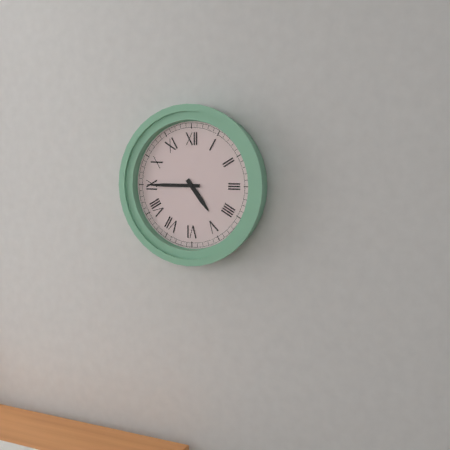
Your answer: 4,45
